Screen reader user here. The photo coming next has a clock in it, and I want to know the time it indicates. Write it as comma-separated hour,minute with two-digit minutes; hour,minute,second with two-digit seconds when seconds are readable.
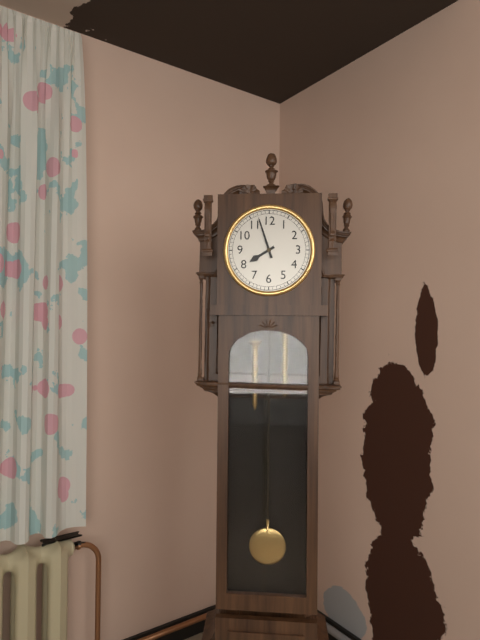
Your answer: 7,57
